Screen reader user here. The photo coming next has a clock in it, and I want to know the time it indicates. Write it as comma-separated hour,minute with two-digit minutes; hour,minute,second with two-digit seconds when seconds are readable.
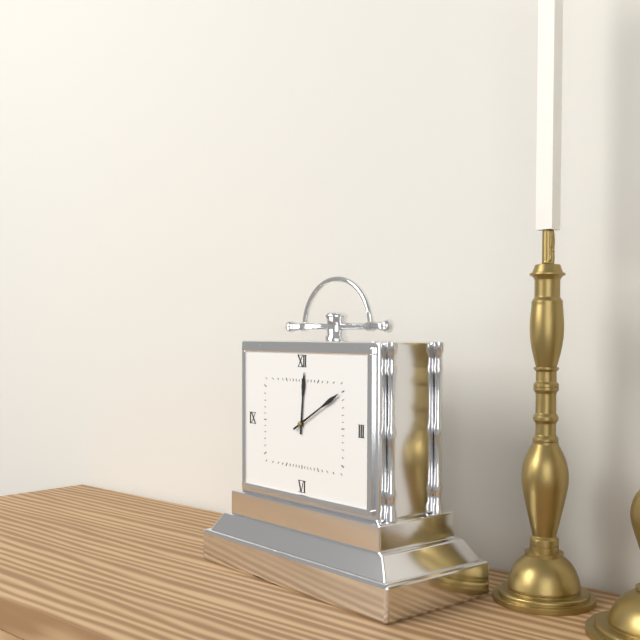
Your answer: 12,10
